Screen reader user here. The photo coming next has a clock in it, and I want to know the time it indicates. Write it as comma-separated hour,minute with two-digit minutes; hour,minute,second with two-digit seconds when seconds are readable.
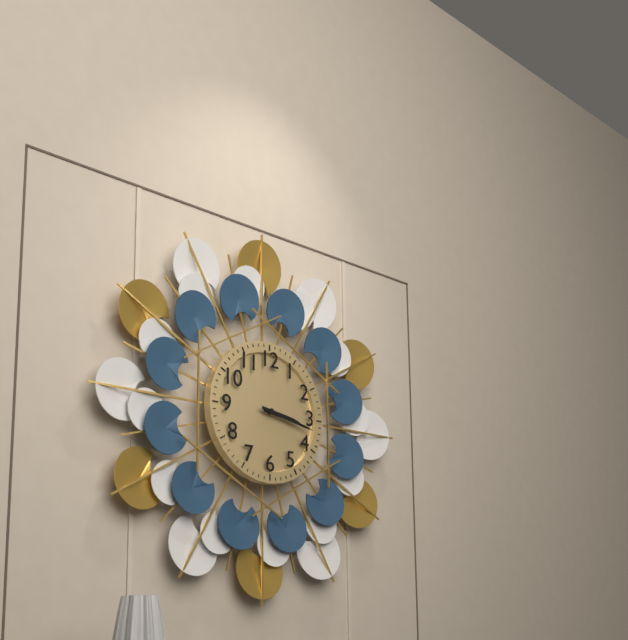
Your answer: 3,17
